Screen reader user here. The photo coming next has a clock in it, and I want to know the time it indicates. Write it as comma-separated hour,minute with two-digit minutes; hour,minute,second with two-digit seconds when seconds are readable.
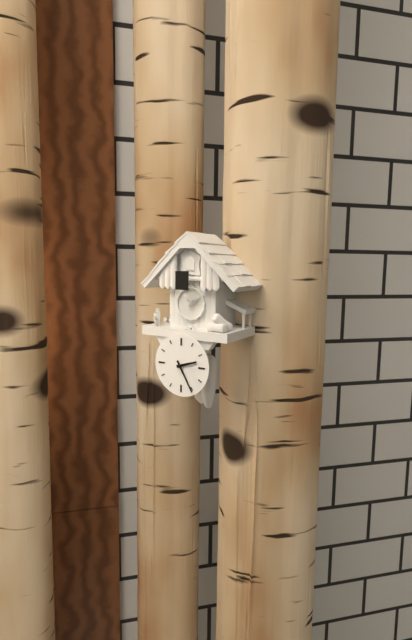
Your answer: 2,25
